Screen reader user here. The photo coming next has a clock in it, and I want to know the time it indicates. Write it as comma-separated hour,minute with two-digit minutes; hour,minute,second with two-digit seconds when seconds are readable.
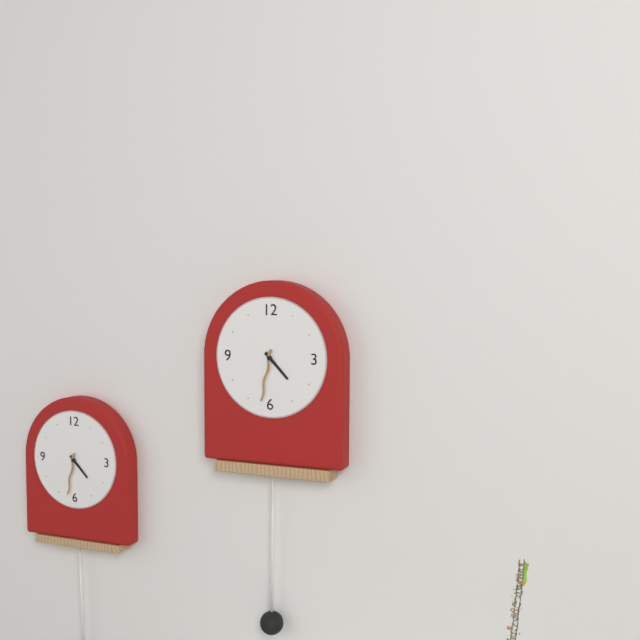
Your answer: 4,32
